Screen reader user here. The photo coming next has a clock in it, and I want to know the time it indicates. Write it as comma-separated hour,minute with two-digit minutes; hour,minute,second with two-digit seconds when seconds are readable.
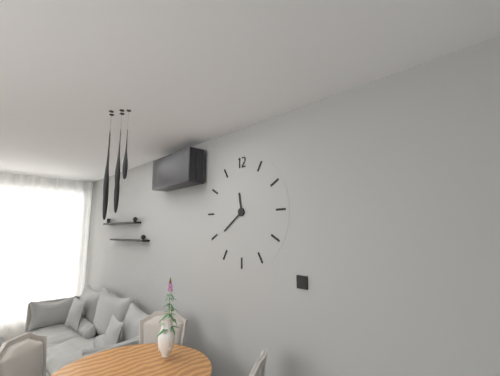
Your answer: 11,39
